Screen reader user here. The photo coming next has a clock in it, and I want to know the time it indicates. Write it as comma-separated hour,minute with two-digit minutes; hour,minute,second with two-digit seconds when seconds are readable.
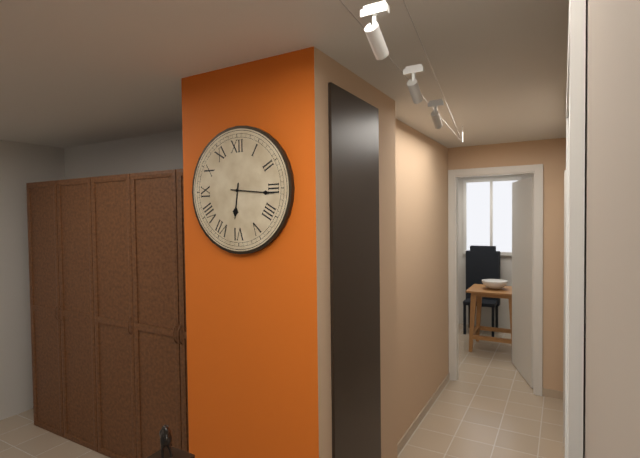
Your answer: 6,16
